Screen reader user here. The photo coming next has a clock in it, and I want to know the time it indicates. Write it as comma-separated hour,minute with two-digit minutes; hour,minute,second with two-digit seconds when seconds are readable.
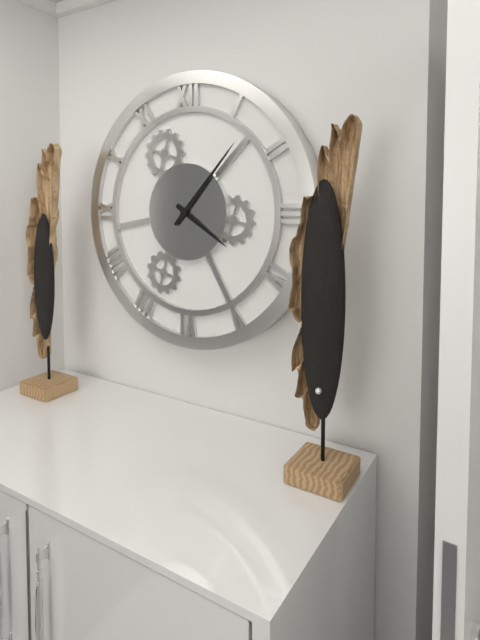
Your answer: 4,07
